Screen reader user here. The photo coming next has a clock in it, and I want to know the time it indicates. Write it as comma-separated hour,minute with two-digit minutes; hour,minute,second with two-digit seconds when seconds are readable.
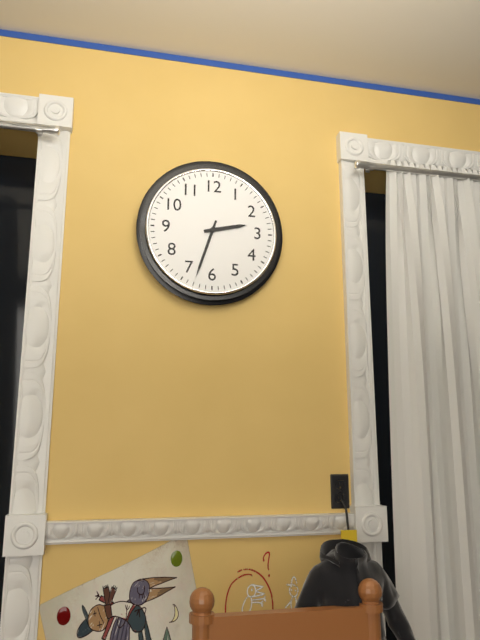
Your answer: 2,33
